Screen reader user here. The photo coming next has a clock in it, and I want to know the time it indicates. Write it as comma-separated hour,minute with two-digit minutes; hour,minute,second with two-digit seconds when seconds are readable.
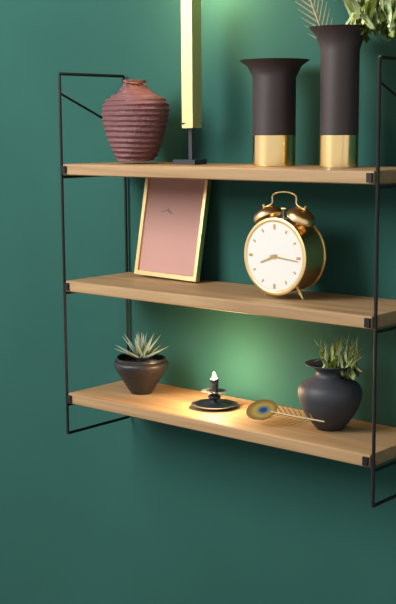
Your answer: 8,16
